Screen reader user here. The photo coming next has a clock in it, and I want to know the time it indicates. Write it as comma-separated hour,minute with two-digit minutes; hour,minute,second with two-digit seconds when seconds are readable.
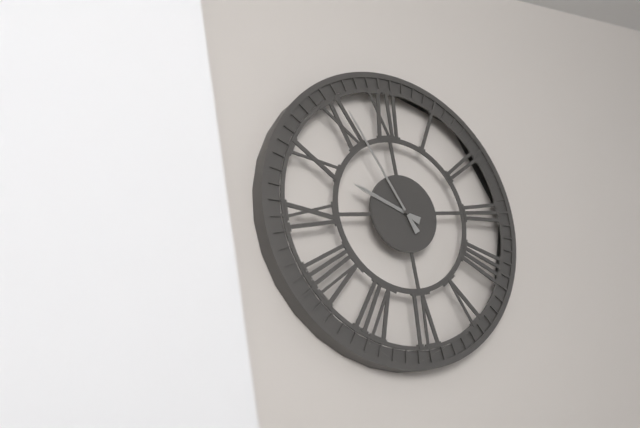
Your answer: 9,56
